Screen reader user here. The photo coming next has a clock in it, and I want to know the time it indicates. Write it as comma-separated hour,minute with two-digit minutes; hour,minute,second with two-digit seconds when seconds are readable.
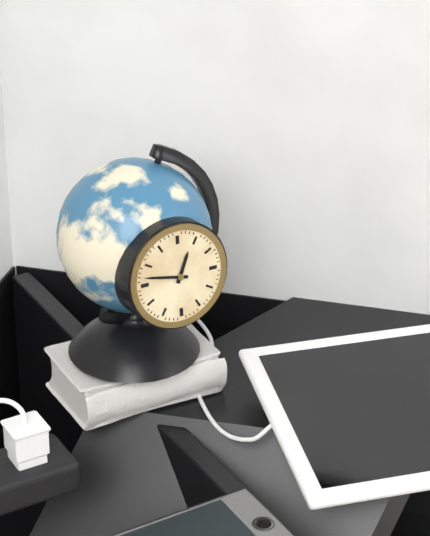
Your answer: 12,47
